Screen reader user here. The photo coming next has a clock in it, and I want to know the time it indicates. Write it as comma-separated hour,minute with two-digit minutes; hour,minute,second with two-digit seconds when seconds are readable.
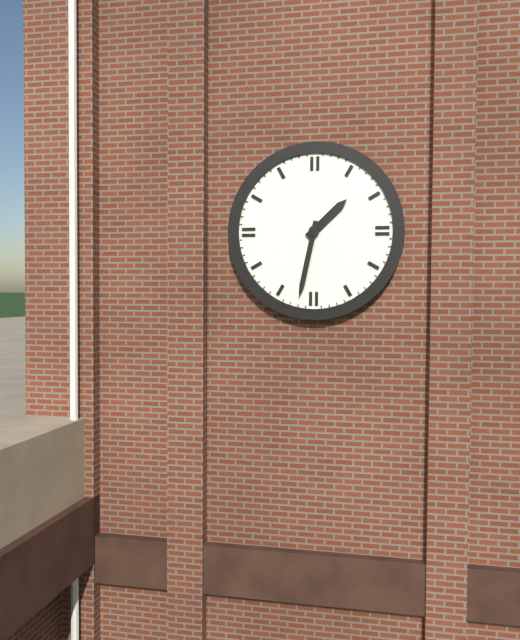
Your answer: 1,32
